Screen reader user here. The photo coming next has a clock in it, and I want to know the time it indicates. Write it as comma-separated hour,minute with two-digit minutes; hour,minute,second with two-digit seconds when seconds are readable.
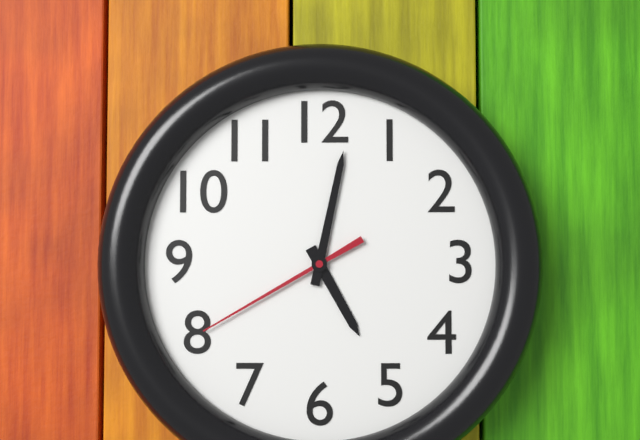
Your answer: 5,02,40
